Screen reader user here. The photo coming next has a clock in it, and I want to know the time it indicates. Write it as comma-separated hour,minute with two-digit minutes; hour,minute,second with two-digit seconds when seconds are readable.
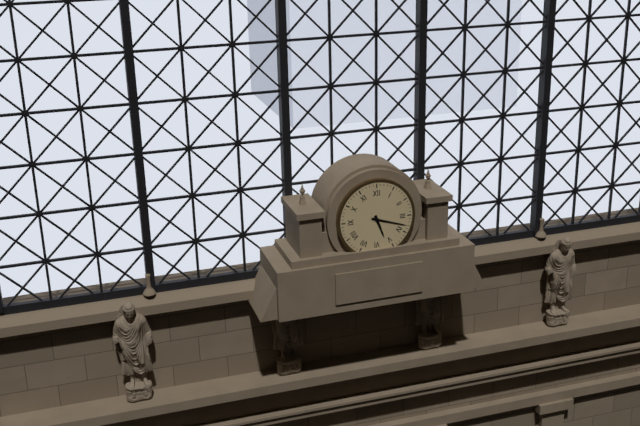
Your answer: 5,18
